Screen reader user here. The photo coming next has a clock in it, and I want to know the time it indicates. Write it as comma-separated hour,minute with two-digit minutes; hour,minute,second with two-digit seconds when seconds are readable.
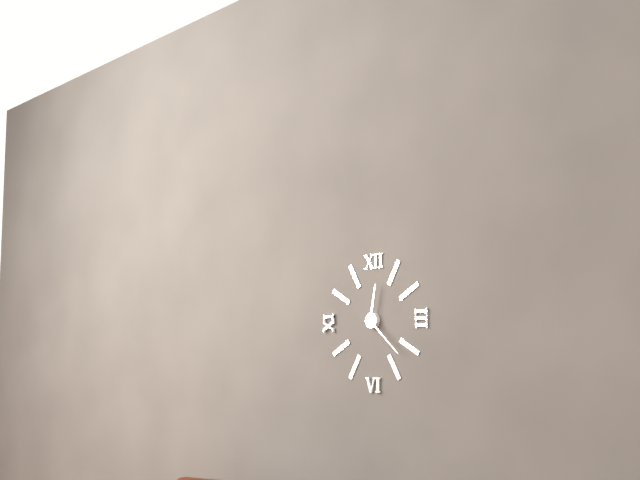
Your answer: 12,22
